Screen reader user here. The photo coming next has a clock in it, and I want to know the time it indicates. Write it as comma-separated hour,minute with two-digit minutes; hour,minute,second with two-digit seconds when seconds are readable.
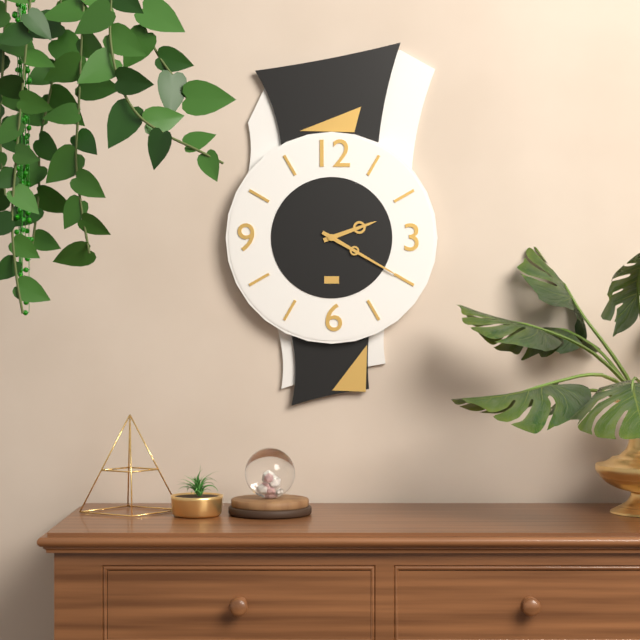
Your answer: 2,20
